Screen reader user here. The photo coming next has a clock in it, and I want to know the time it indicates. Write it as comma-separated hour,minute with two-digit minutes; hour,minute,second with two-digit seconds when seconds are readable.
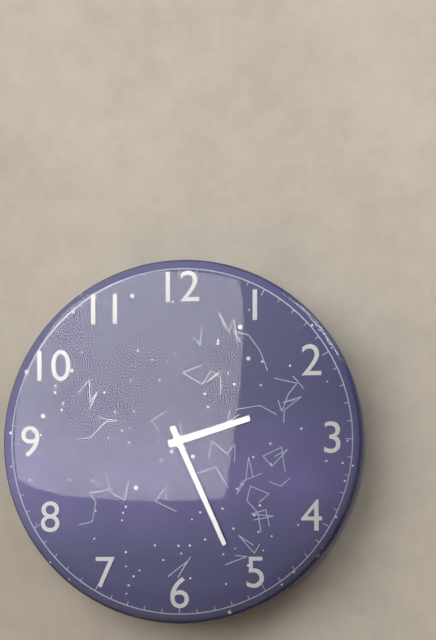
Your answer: 2,26
